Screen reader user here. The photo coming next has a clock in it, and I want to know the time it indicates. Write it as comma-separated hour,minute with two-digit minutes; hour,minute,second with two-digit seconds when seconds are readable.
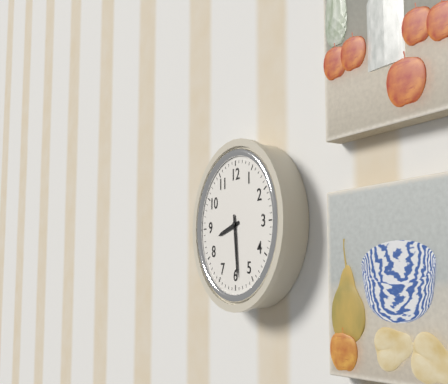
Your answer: 8,29
